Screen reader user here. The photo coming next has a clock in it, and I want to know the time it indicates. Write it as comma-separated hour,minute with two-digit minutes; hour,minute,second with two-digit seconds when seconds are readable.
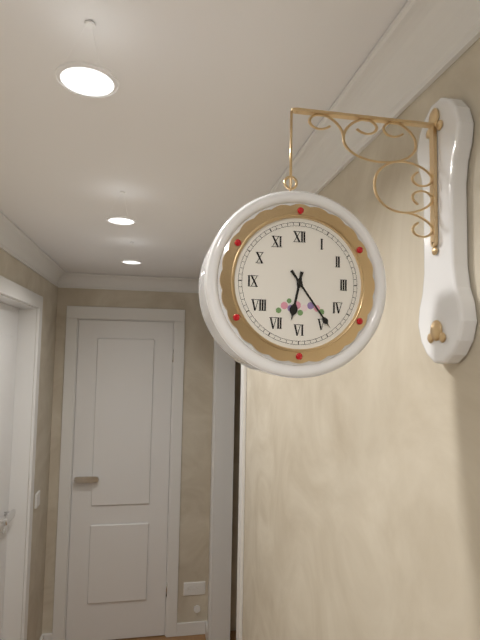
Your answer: 6,24
